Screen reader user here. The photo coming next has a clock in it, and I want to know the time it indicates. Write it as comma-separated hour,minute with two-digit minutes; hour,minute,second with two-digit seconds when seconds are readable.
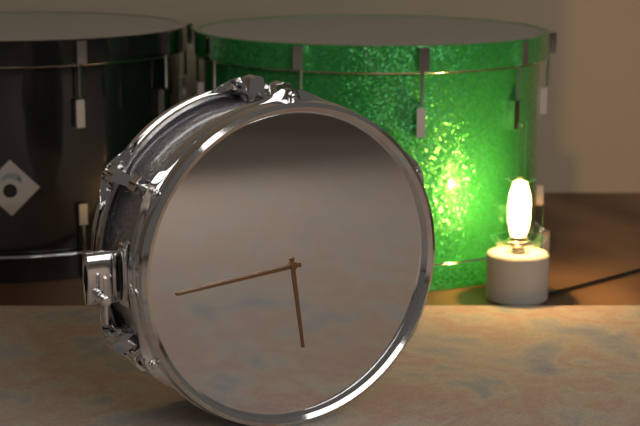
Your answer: 5,44
